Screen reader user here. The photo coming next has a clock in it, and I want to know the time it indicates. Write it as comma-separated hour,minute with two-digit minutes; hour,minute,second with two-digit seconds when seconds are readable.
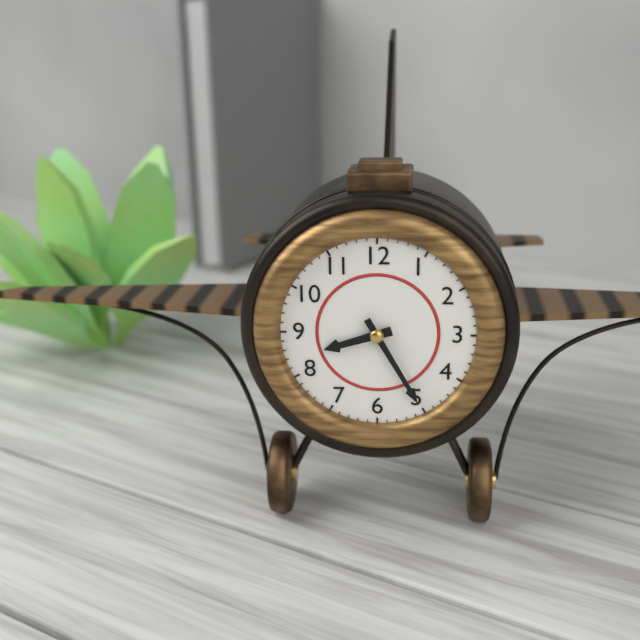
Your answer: 8,25
